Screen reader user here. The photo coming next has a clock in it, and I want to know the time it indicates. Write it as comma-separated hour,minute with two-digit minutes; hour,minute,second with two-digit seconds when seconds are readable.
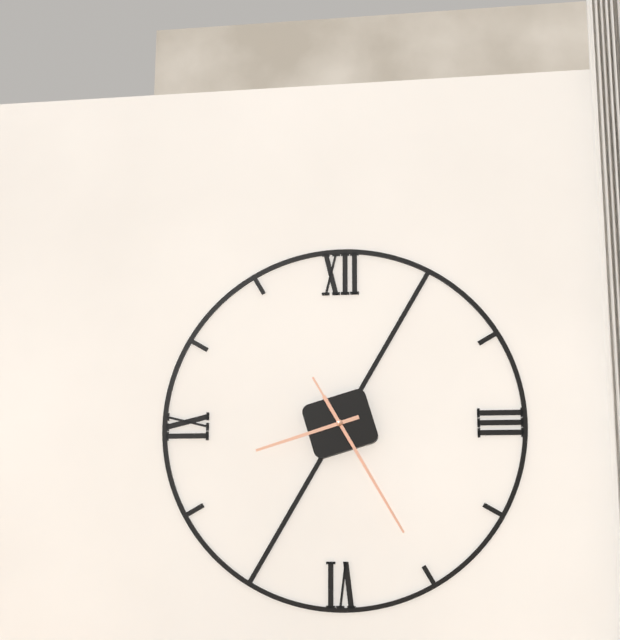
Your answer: 8,25,25
